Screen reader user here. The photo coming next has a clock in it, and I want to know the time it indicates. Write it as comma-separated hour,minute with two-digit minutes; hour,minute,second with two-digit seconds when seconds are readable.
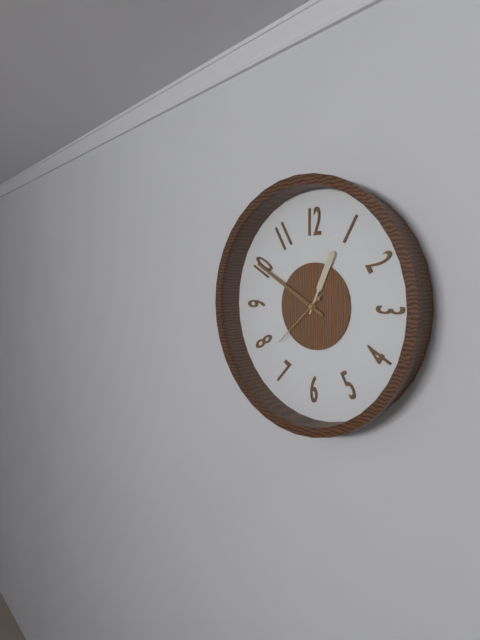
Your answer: 12,50,38
